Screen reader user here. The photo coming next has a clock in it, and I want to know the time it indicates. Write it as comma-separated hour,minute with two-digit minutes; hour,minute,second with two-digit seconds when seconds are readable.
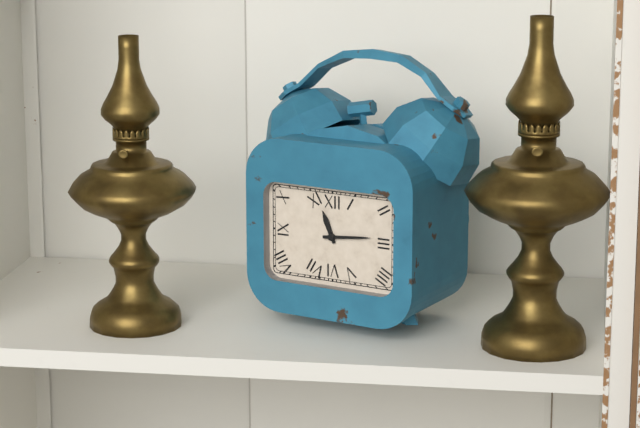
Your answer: 11,14
